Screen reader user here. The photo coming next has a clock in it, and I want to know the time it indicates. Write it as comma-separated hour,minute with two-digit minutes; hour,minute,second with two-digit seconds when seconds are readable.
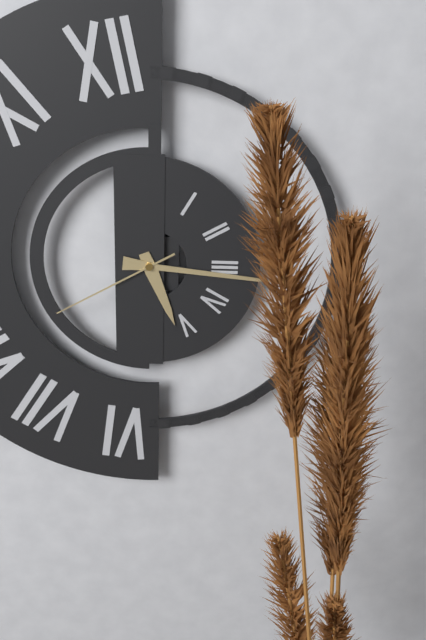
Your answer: 5,16,40
